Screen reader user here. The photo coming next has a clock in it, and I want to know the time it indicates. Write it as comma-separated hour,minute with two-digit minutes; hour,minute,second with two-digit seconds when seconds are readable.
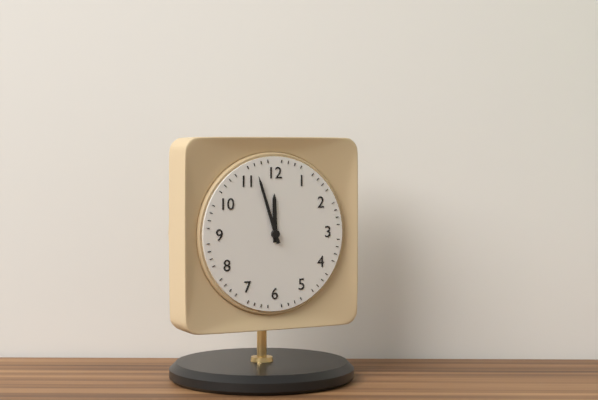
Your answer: 11,57
